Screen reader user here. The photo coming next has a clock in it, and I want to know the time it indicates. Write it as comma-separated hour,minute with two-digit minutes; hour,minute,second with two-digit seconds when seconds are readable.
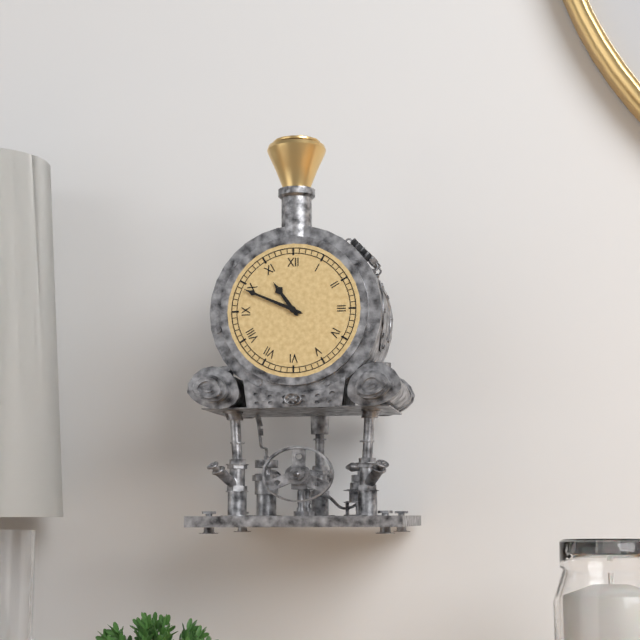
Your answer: 10,49
